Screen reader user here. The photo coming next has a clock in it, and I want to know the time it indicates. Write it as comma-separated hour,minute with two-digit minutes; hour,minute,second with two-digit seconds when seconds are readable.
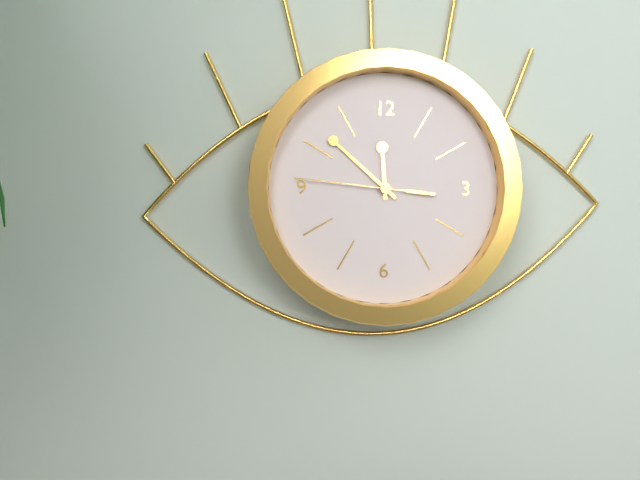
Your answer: 11,52,46
